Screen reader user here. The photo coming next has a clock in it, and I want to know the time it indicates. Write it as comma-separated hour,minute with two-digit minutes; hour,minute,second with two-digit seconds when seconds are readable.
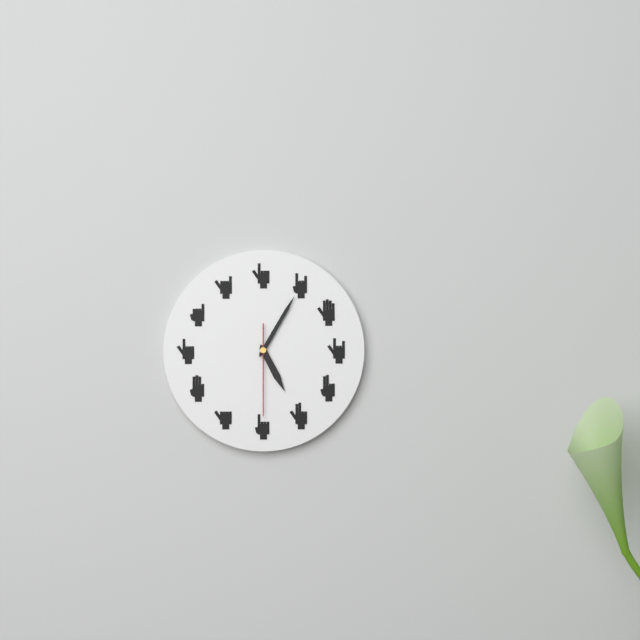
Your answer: 5,05,30
